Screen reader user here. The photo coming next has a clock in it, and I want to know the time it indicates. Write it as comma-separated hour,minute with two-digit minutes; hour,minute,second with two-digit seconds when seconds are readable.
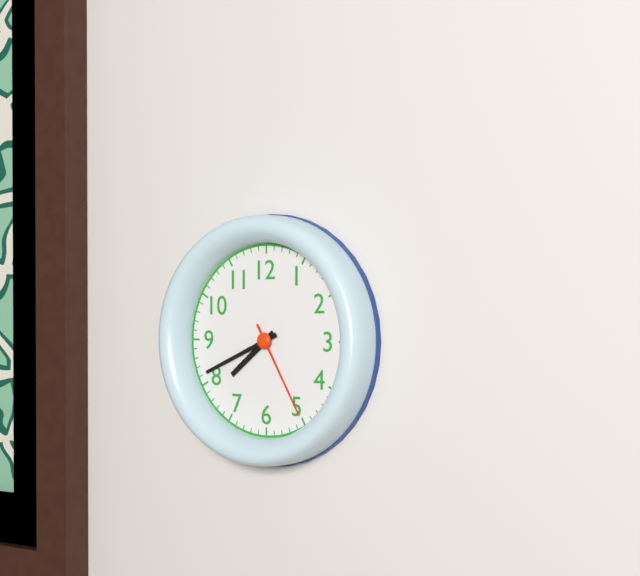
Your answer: 7,41,25
